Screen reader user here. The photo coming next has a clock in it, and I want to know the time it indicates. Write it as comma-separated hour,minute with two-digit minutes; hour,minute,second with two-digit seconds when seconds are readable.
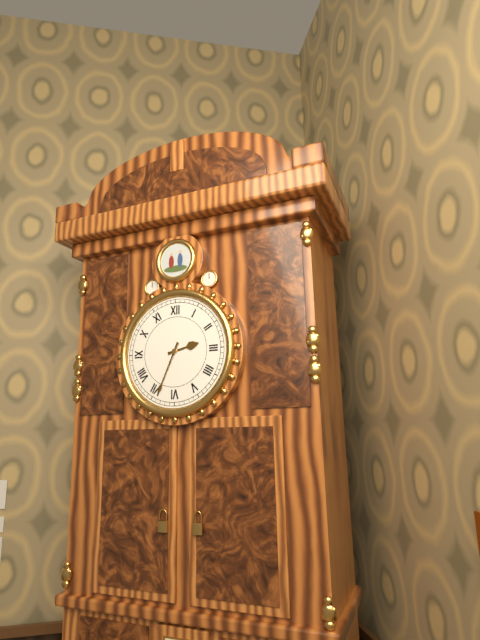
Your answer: 2,34
